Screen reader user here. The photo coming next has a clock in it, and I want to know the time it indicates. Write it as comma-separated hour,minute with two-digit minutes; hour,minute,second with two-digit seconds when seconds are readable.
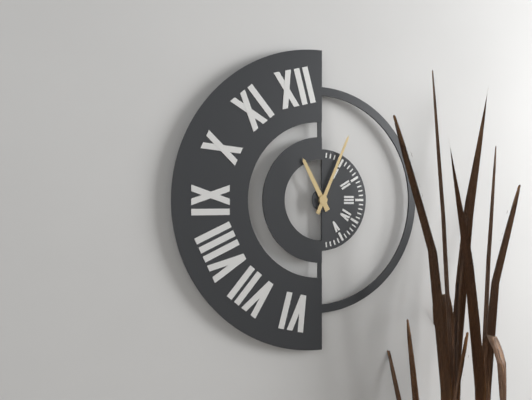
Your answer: 11,04
